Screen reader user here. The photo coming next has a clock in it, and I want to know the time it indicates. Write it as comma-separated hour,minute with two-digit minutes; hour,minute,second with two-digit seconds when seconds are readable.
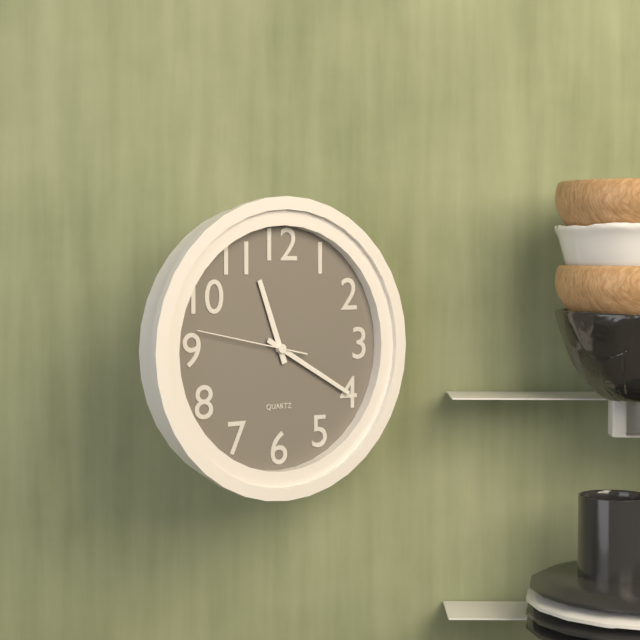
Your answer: 11,20,47
